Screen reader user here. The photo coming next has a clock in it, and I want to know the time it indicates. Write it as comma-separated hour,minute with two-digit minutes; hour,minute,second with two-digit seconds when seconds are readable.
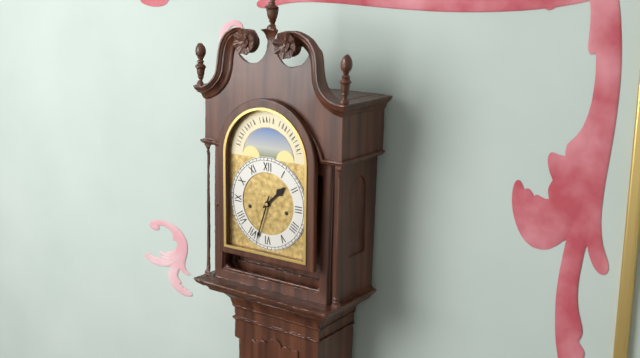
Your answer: 1,33
